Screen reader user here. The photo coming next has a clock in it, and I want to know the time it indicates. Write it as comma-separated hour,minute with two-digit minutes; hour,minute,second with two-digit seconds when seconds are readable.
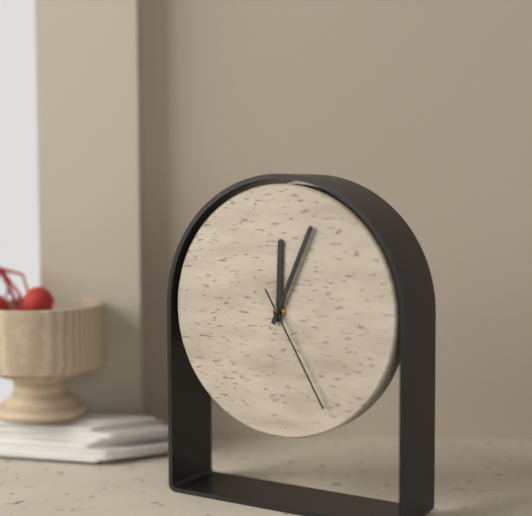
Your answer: 12,04,25
